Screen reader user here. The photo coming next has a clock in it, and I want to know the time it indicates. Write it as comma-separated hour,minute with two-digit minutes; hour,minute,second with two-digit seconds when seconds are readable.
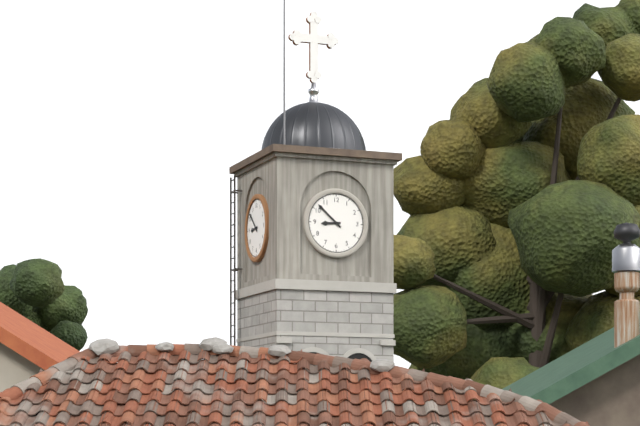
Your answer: 8,52
